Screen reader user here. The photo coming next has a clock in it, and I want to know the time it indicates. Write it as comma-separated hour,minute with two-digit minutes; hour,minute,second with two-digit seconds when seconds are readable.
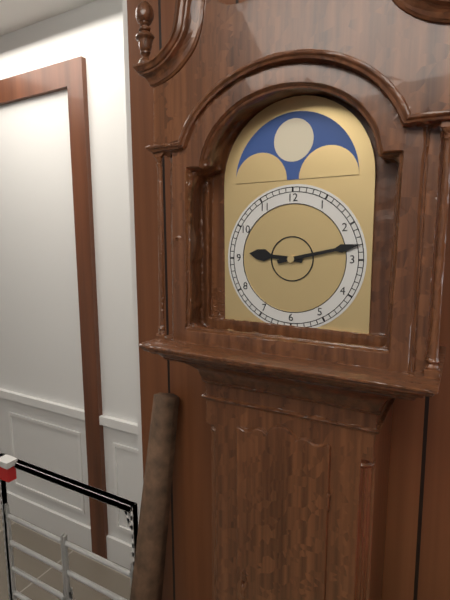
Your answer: 9,13
